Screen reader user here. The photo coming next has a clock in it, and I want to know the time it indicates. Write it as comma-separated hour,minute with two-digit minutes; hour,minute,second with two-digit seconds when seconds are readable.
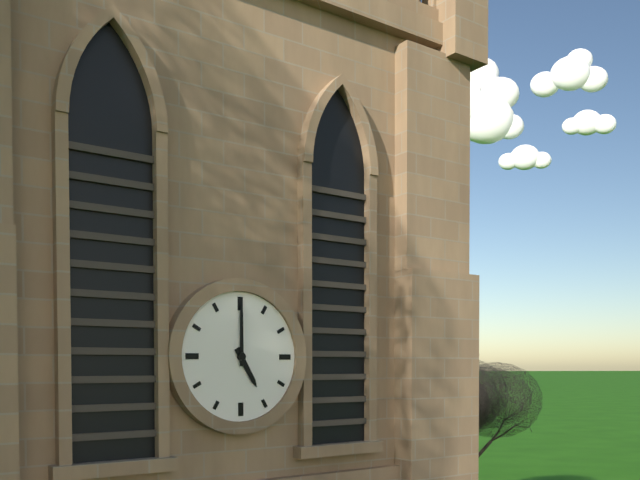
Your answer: 5,00
